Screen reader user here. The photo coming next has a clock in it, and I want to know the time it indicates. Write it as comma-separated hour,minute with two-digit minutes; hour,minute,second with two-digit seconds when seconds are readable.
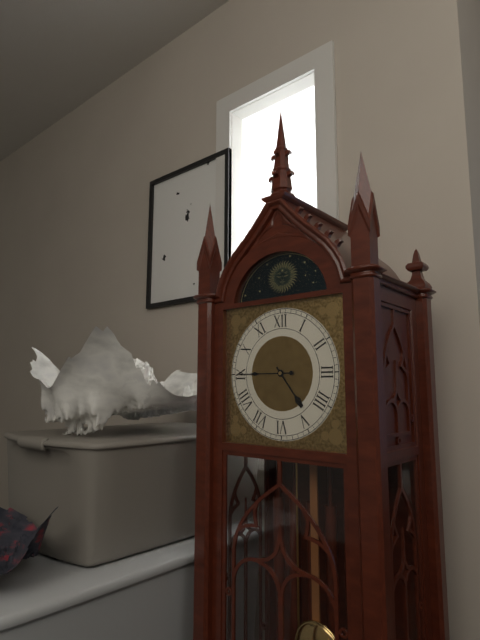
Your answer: 4,45
